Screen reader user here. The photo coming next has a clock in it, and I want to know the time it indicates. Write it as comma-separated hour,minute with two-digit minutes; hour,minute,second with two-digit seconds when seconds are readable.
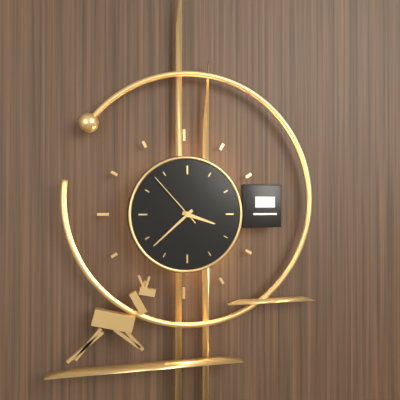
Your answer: 3,38,53
